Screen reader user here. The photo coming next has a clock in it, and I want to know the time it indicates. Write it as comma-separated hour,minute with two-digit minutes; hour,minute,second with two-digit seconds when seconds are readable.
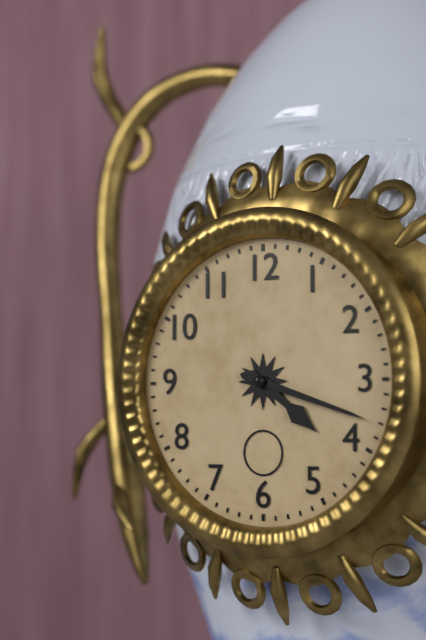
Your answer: 4,18
